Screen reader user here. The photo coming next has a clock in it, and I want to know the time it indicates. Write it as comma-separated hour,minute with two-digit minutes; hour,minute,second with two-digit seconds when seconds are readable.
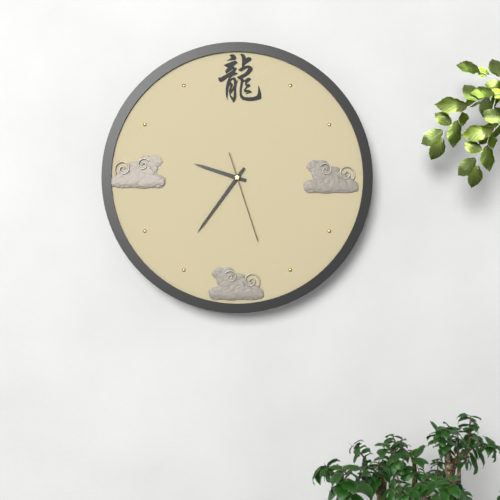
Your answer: 9,36,27
